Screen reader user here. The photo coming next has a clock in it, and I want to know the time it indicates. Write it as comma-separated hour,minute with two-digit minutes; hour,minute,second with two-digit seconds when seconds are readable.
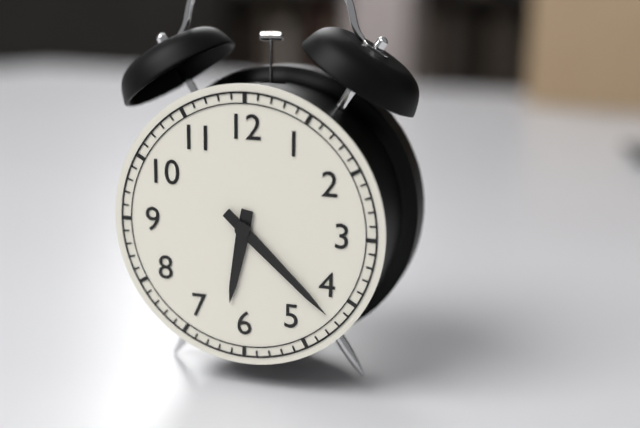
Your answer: 6,22
